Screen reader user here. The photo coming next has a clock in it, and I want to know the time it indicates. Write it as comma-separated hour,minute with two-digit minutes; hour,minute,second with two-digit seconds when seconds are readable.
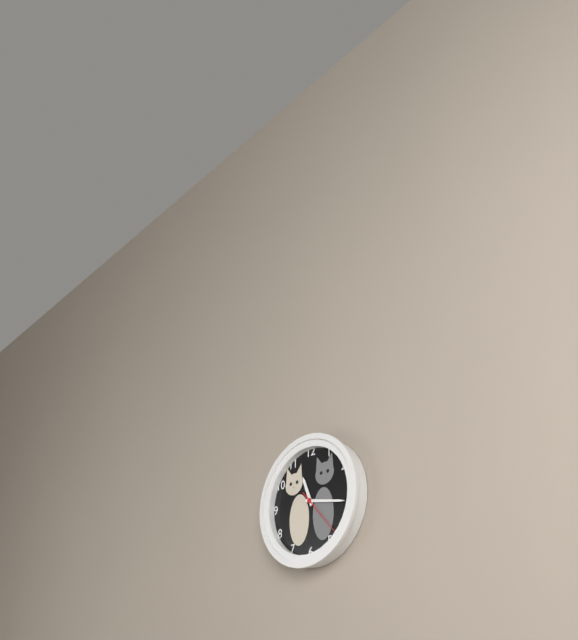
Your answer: 11,17,23
